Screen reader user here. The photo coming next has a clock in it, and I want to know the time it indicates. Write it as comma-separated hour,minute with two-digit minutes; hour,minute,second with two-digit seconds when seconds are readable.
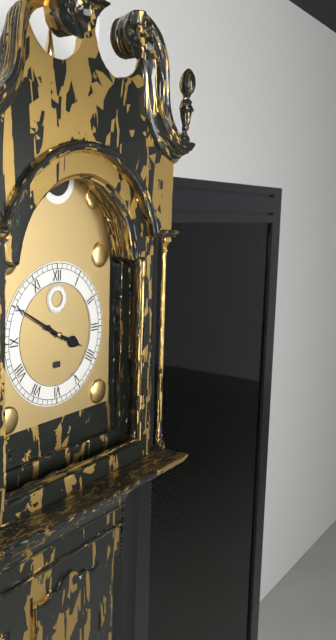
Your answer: 3,50
